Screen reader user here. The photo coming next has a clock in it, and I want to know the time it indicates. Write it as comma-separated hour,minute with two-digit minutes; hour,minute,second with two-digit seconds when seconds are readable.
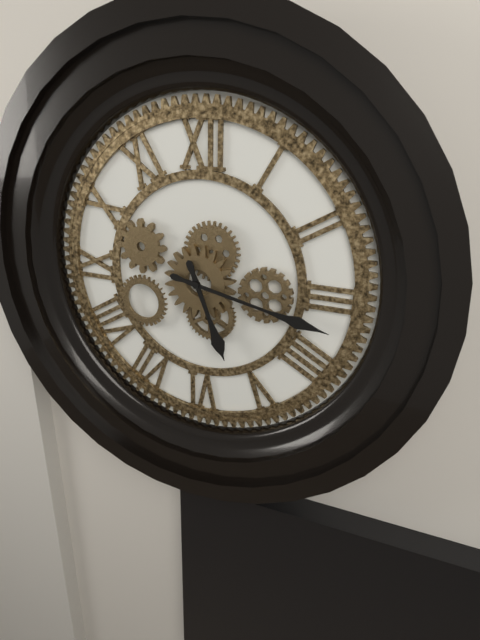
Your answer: 5,17
